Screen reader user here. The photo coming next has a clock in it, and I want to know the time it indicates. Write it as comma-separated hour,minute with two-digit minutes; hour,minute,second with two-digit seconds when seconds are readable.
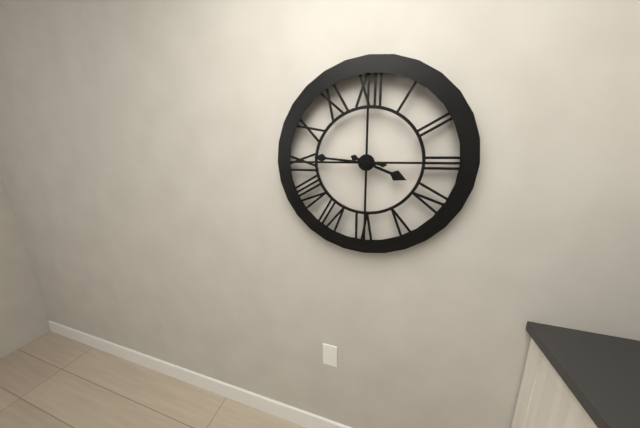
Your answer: 3,46
